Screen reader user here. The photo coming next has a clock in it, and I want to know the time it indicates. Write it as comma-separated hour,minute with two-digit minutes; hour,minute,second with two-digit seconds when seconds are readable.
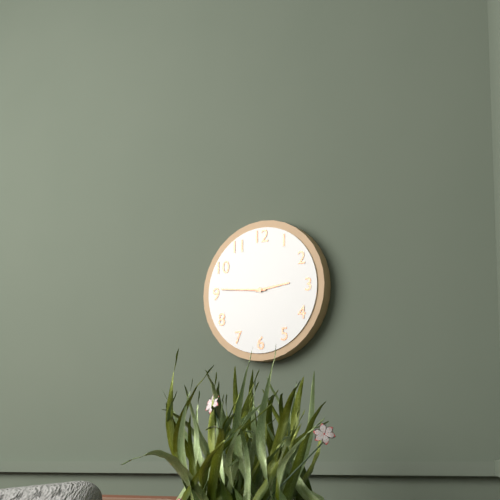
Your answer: 2,46
